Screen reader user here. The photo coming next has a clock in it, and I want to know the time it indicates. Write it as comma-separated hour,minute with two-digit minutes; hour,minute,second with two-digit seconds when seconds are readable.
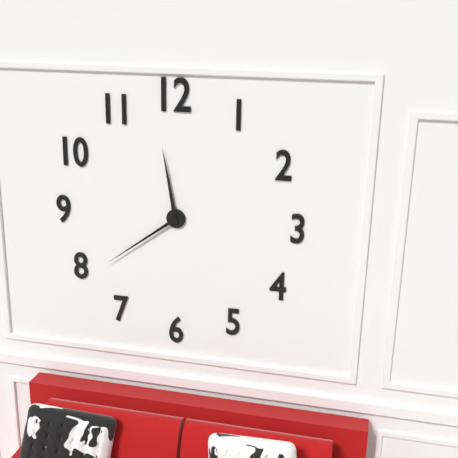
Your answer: 11,39
